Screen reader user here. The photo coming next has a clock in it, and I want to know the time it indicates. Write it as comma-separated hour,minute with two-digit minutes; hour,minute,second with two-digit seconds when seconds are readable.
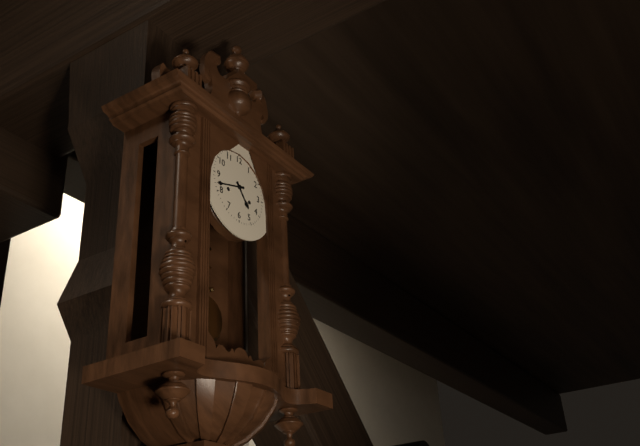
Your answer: 4,42
